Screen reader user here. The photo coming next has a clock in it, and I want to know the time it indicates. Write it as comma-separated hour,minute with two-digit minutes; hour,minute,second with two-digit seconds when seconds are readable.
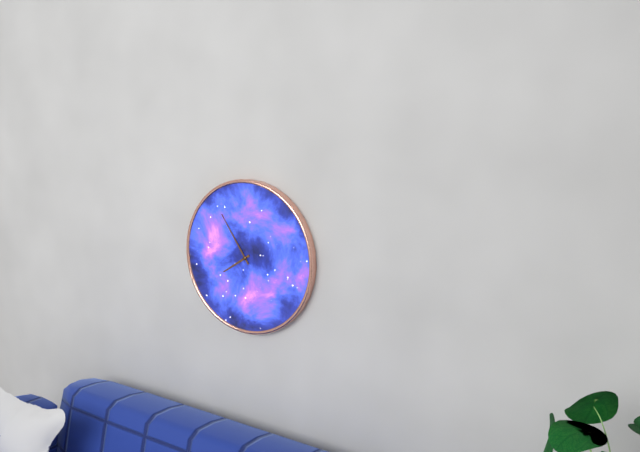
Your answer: 7,54
